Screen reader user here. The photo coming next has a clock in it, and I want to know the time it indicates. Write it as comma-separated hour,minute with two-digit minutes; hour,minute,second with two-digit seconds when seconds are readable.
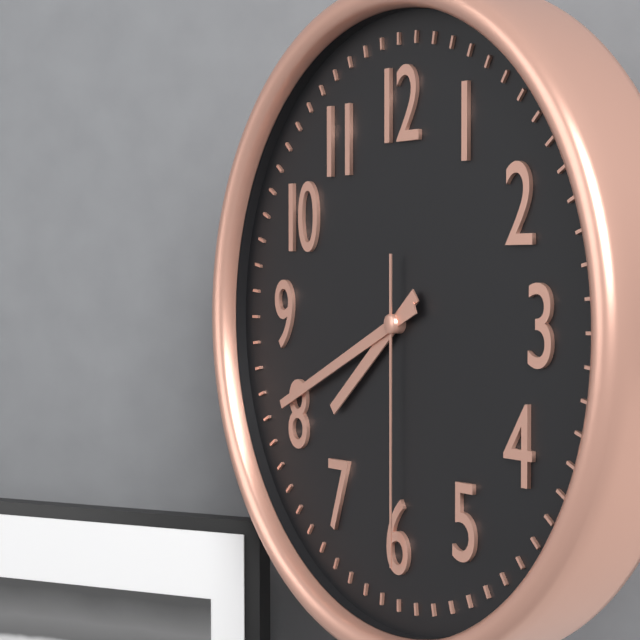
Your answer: 7,41,30
